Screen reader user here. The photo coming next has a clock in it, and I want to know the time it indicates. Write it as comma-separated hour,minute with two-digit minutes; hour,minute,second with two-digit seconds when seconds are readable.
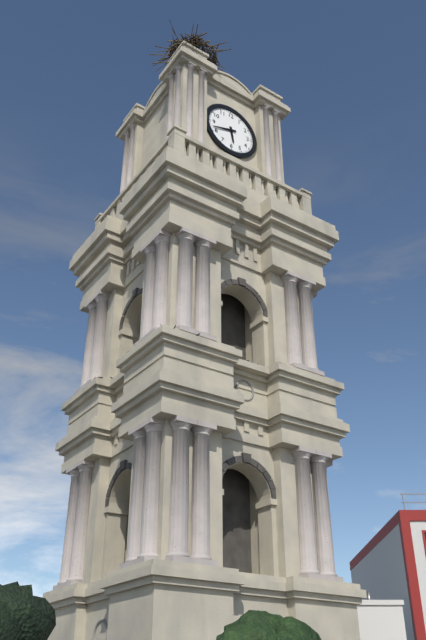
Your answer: 5,42
